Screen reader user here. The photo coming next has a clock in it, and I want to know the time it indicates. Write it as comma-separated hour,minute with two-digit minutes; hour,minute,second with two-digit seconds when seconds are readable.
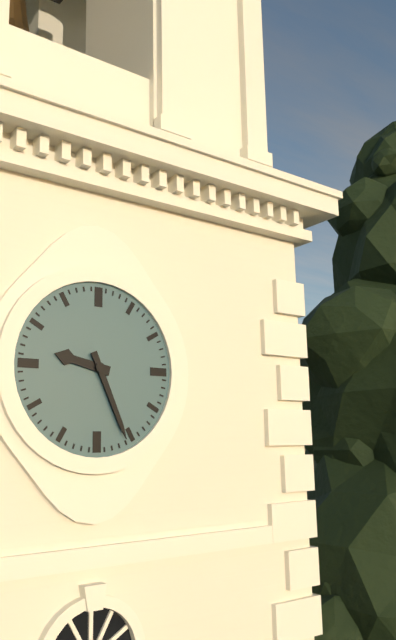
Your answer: 9,26
